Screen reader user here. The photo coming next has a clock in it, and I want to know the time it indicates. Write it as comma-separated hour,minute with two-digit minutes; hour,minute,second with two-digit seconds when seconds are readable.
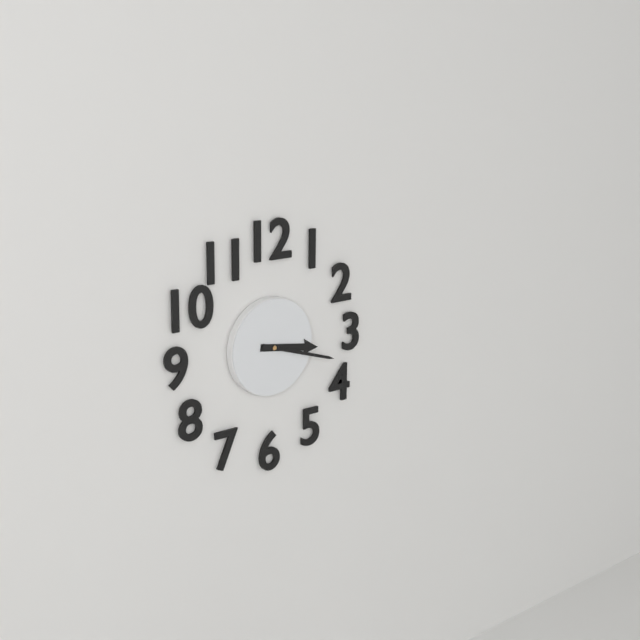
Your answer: 3,18
